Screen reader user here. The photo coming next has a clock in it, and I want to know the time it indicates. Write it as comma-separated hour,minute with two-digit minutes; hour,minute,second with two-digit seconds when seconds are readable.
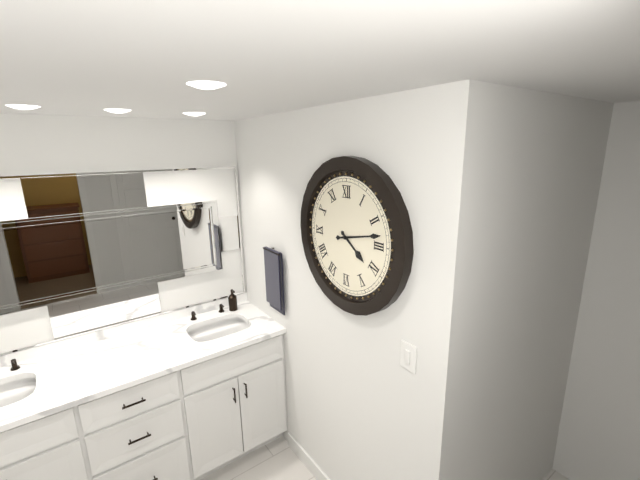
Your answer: 4,13
